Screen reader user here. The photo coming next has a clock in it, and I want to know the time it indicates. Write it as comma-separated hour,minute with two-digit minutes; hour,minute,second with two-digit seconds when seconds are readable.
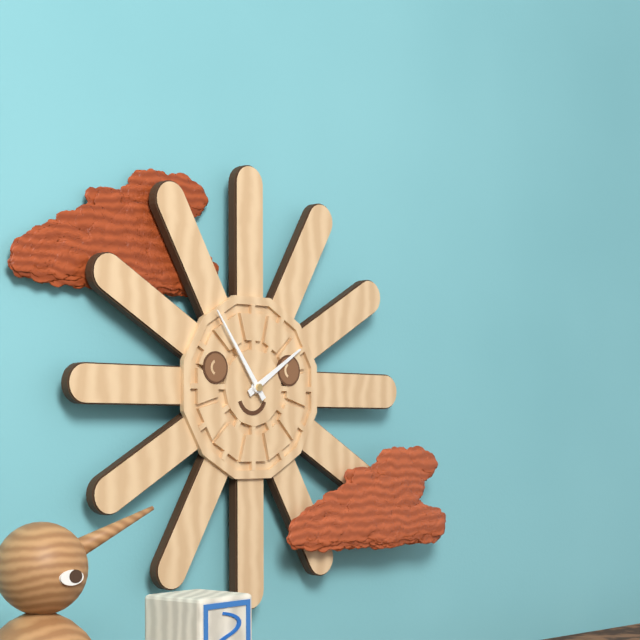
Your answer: 1,54
